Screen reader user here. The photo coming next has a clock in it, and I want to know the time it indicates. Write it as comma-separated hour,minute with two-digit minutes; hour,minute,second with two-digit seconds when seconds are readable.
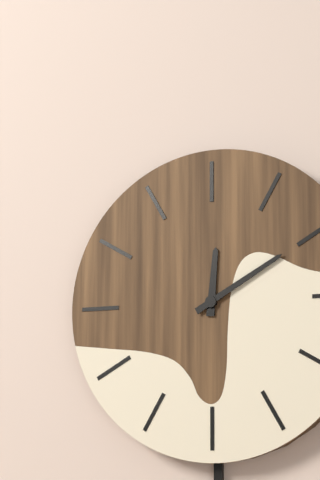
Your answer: 12,10
